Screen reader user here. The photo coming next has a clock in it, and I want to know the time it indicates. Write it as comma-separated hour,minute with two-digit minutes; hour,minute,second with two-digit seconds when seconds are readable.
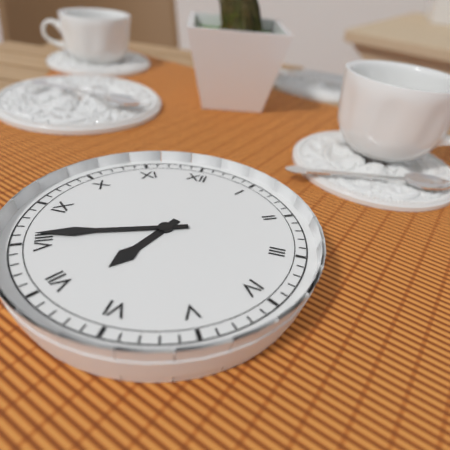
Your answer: 6,41
